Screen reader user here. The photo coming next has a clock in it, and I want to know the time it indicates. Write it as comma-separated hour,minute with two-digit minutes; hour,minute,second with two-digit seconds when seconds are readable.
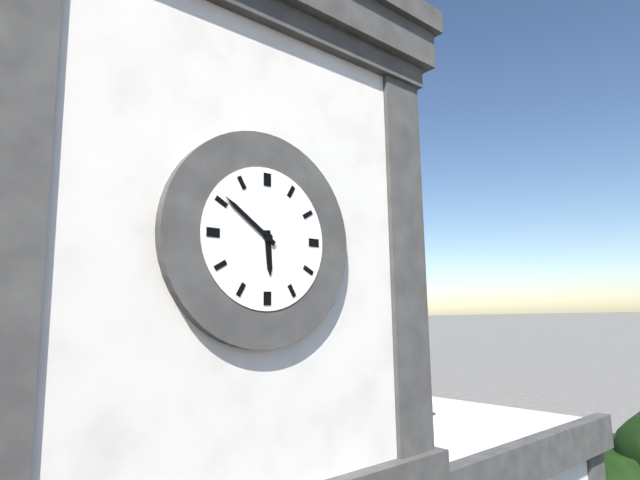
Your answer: 5,51
